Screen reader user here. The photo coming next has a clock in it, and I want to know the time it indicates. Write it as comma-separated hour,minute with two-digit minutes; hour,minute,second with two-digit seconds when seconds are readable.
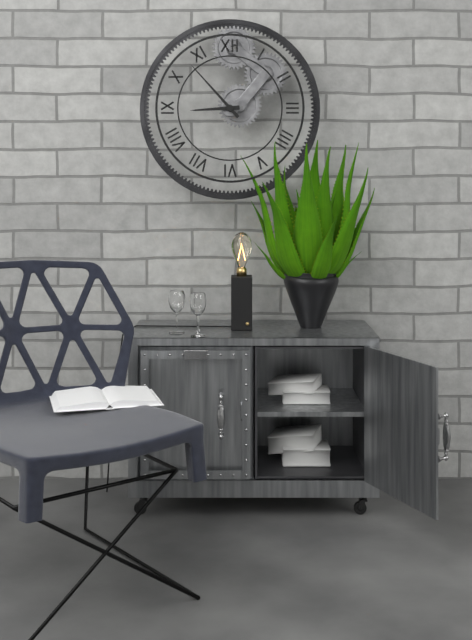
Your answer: 8,53
